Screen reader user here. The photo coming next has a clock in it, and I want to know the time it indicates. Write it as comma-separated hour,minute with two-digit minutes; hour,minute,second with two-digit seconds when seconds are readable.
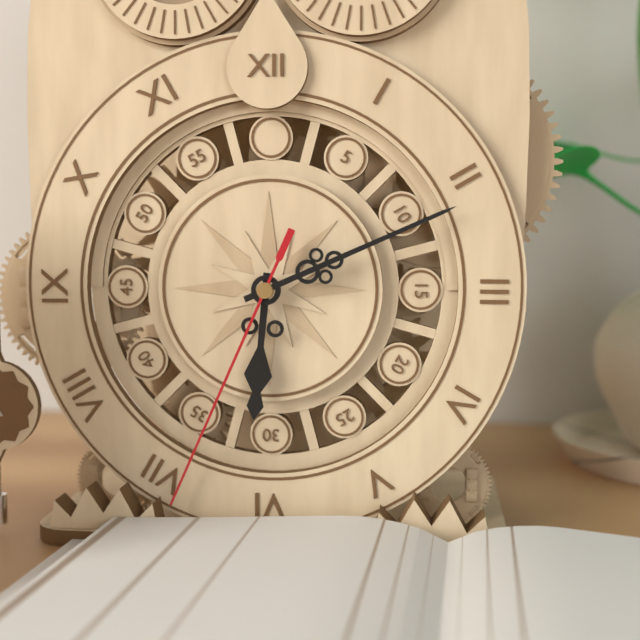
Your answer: 6,11,34
